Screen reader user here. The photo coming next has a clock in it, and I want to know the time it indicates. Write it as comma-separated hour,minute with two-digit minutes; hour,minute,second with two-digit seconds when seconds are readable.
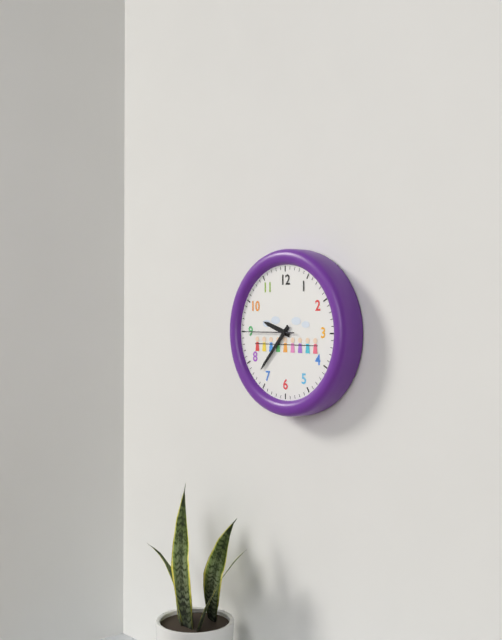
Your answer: 9,37
